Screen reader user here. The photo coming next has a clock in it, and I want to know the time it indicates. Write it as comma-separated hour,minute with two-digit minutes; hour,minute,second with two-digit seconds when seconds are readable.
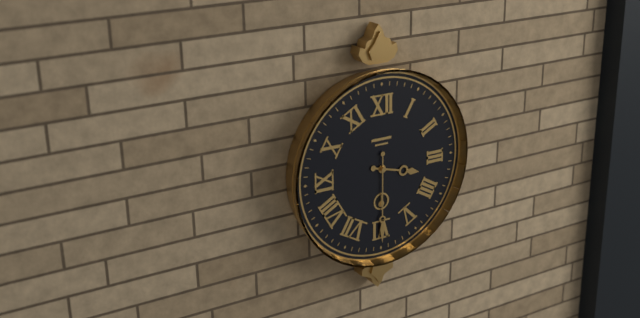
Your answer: 3,30
